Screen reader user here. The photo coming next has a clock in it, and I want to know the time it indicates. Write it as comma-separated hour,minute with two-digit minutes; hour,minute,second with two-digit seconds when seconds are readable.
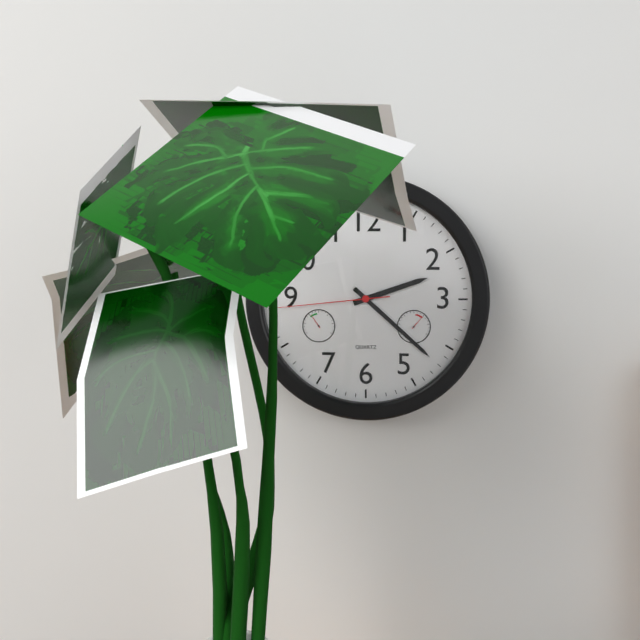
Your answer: 2,22,44
